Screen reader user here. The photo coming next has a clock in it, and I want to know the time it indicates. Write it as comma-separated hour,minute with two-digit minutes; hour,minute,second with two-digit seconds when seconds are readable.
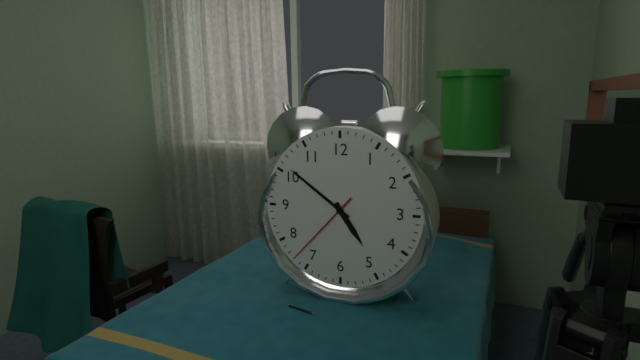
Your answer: 4,51,37
